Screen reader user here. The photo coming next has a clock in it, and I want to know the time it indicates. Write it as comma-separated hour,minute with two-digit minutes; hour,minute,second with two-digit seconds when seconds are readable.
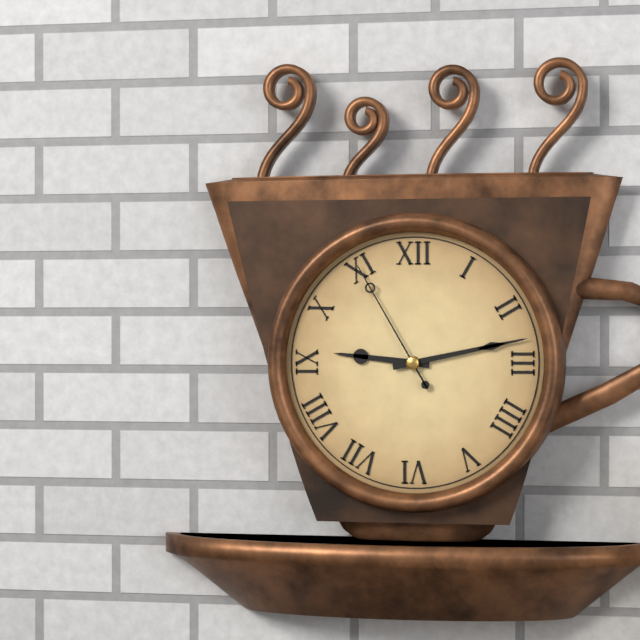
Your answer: 9,13,55
